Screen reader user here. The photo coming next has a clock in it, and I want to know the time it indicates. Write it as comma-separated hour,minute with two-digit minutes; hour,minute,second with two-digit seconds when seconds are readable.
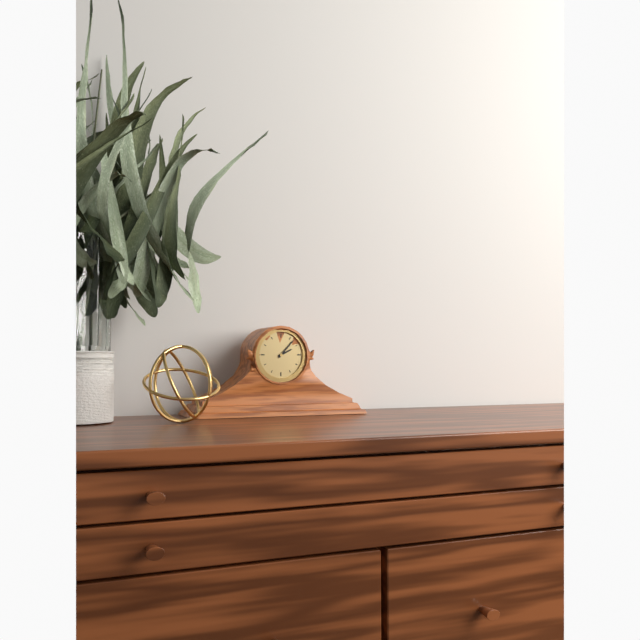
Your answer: 2,07
